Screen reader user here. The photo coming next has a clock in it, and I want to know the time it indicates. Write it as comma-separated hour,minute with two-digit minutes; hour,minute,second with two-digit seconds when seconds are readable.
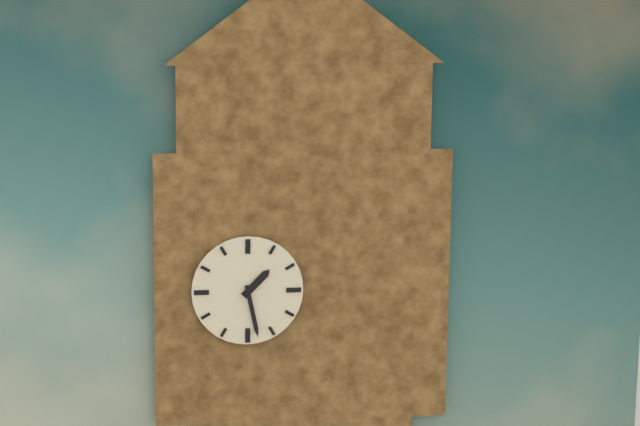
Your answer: 1,28
